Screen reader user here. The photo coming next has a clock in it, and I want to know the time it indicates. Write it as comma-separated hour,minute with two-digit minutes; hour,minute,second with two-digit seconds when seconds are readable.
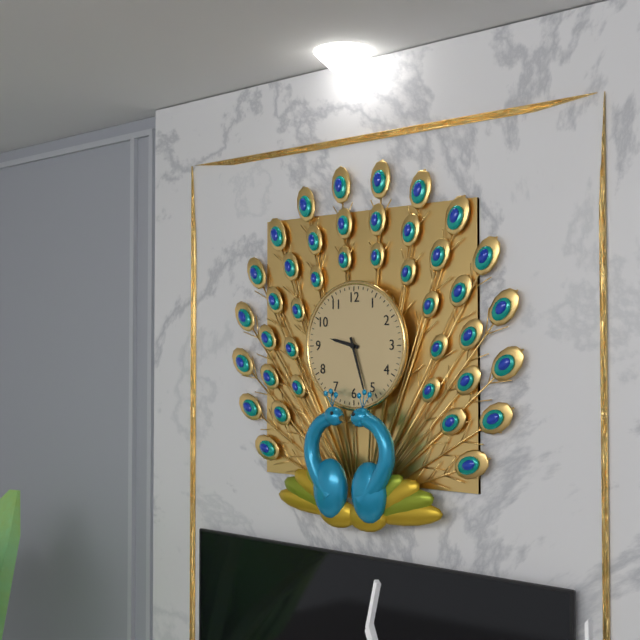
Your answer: 9,27
